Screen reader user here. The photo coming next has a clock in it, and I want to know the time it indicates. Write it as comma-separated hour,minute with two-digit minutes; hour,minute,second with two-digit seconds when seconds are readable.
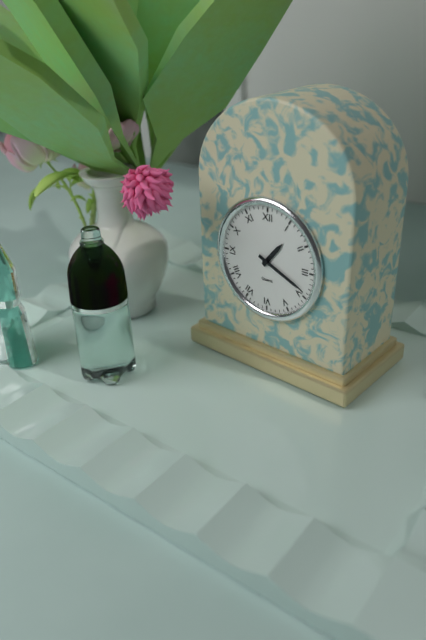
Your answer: 1,19
